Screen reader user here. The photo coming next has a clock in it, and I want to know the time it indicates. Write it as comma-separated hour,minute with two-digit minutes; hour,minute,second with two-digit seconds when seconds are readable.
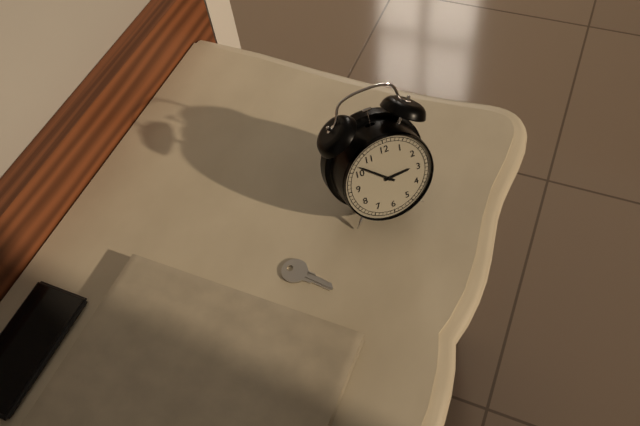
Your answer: 2,52
